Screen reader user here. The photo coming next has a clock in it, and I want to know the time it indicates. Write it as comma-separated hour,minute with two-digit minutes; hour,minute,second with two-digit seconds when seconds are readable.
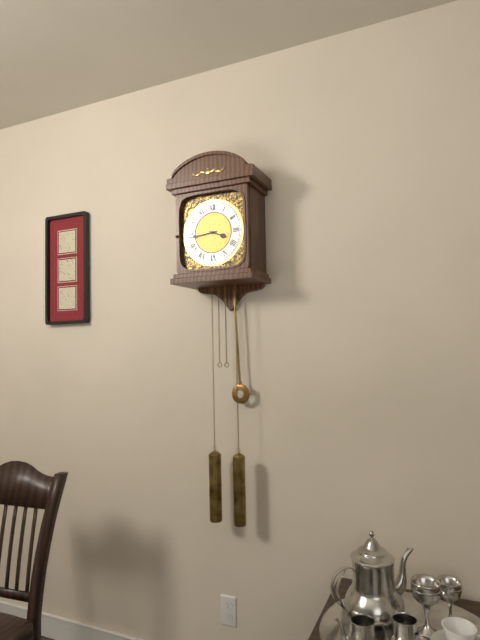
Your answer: 3,44
